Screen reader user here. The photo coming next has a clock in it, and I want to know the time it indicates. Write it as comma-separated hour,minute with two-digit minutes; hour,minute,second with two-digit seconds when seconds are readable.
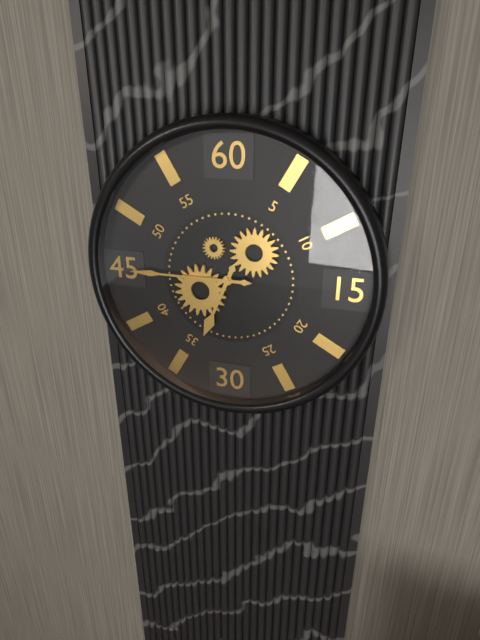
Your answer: 6,45
